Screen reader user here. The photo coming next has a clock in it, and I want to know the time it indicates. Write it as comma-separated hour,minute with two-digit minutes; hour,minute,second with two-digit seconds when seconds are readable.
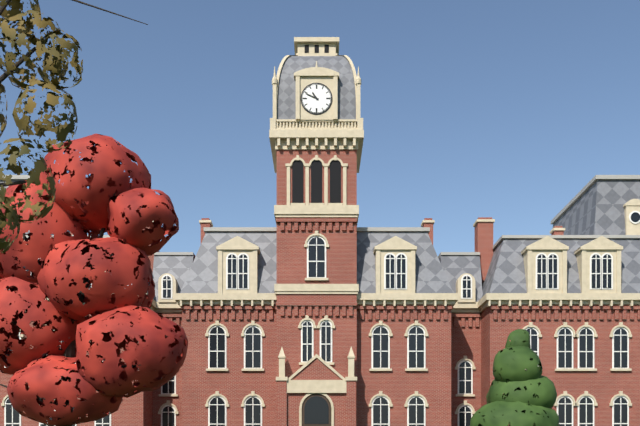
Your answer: 10,49
